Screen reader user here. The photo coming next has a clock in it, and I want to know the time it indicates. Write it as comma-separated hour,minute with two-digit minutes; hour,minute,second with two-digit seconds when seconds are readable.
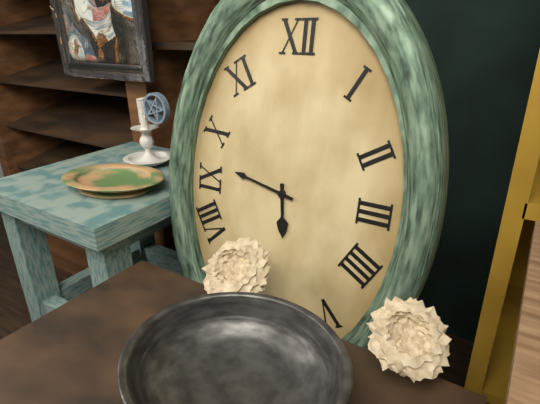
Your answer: 5,47
